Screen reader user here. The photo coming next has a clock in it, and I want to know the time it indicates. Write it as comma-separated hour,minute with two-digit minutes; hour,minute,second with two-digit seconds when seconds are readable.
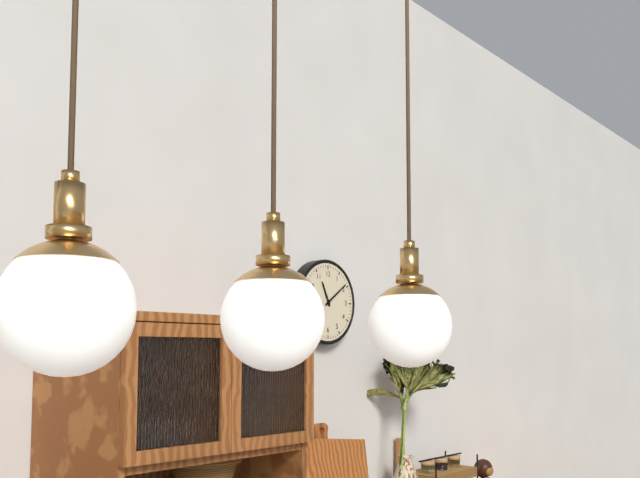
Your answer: 11,09
